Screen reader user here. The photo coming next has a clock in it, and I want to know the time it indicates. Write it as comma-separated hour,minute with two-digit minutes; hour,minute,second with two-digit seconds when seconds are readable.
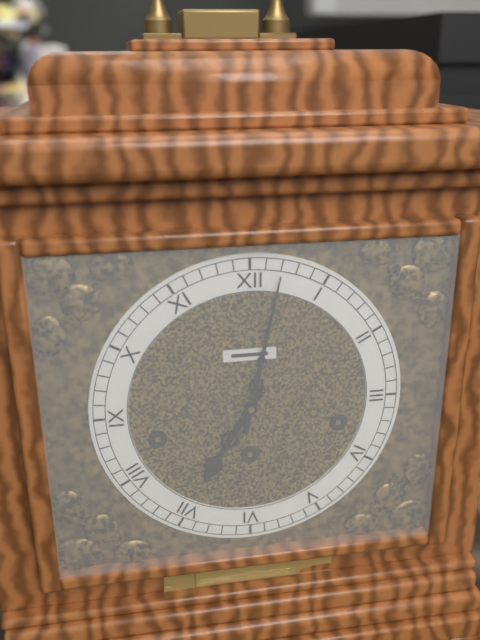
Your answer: 7,02
